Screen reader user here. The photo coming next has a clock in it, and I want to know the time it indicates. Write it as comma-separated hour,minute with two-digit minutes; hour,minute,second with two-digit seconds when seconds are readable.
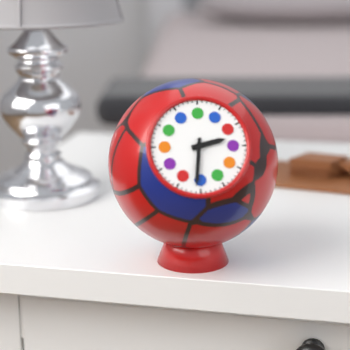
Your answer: 2,31
